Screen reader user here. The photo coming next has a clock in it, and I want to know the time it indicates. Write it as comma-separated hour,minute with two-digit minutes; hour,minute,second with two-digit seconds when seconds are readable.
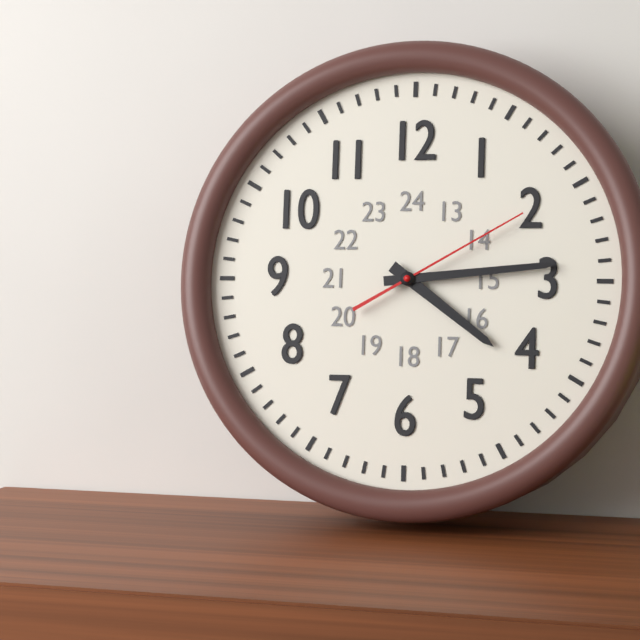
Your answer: 4,14,10
